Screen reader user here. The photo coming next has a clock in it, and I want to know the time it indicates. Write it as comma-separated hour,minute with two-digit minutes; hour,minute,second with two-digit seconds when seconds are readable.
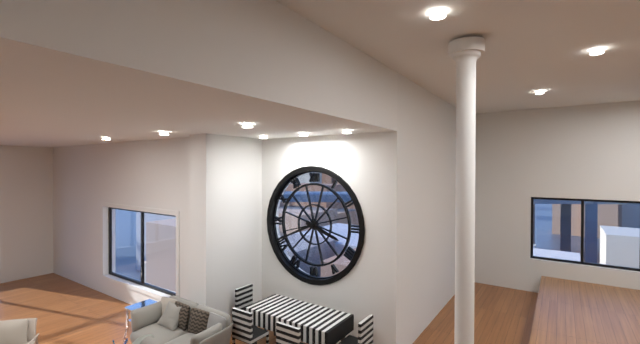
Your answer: 3,41
